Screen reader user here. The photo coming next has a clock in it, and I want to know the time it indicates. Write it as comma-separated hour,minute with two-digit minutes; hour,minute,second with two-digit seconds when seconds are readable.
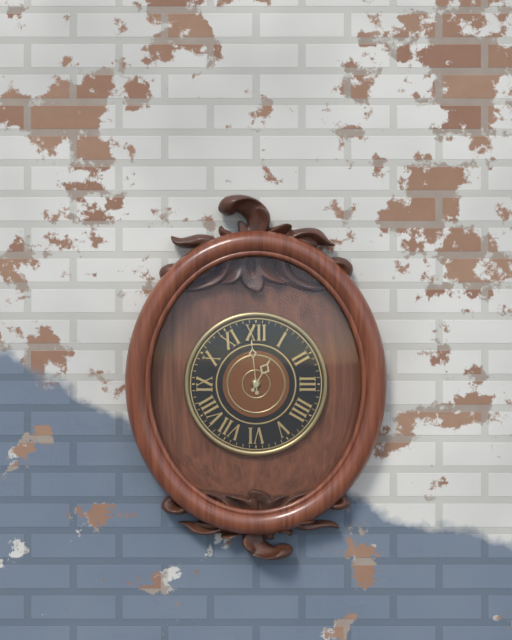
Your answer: 12,59
